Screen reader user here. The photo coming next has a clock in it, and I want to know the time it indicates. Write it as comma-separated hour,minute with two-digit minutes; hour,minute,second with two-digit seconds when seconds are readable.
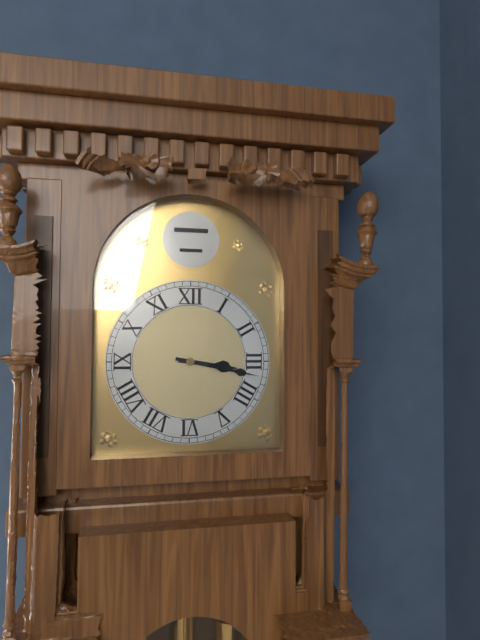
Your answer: 3,17
